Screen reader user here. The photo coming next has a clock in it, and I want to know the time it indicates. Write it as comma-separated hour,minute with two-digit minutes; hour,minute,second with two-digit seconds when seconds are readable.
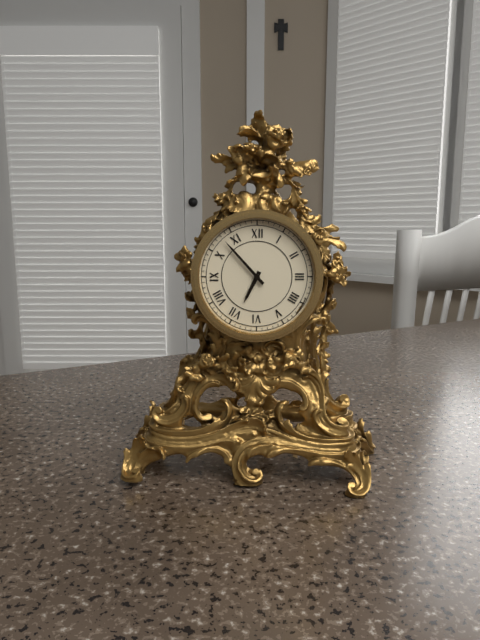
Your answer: 6,53
